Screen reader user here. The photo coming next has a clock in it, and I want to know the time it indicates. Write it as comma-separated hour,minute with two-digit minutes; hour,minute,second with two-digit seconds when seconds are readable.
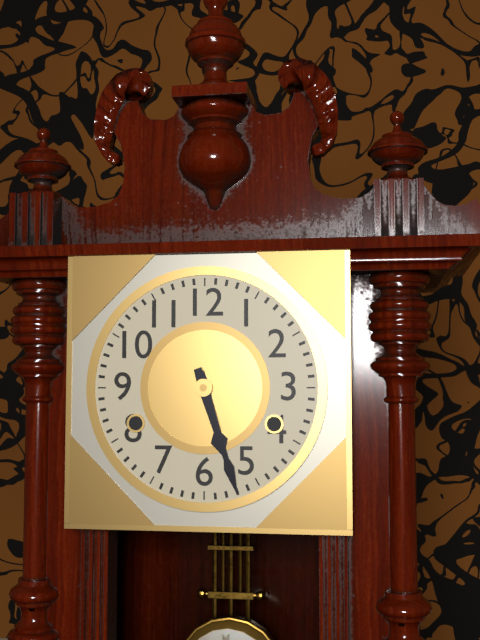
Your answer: 5,27
